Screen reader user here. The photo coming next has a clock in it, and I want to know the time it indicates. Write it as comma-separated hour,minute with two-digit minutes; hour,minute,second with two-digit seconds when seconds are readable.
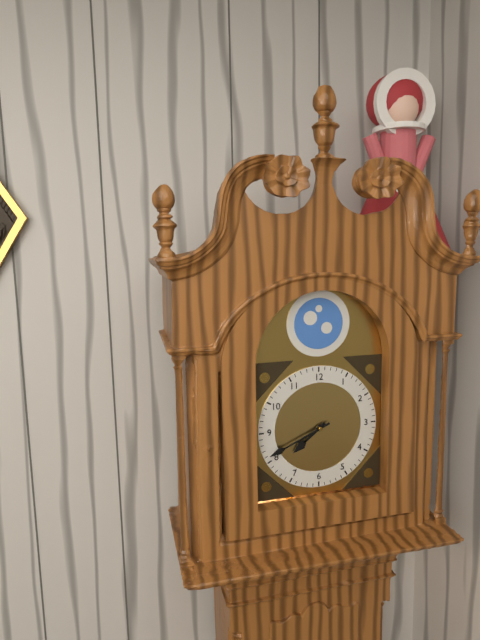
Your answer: 7,41
